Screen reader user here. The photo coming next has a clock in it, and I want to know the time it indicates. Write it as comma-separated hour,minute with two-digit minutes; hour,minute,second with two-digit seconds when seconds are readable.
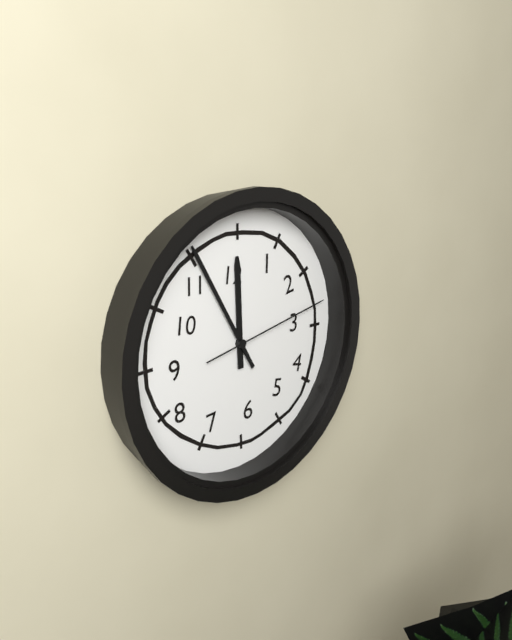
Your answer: 11,55,13
